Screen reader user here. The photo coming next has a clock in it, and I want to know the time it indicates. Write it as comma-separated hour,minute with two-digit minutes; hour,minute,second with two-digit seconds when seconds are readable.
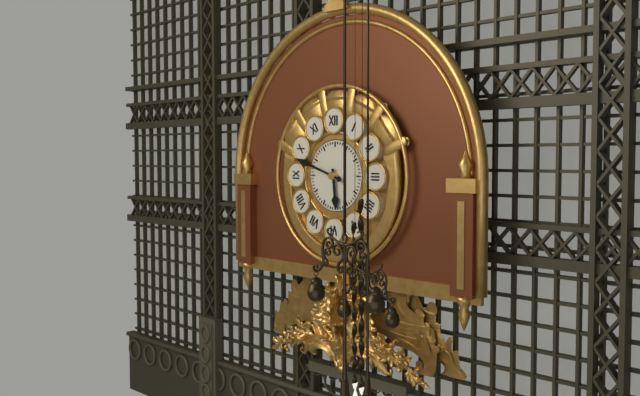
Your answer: 5,48
